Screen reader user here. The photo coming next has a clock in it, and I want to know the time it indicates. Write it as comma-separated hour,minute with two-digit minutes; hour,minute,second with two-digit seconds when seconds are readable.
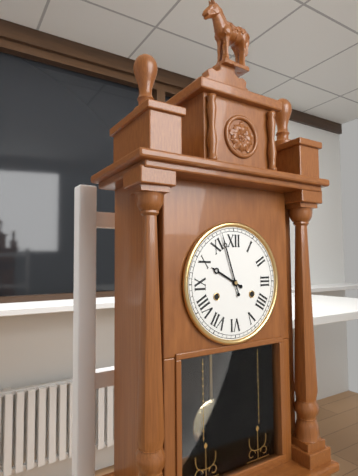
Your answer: 9,57
